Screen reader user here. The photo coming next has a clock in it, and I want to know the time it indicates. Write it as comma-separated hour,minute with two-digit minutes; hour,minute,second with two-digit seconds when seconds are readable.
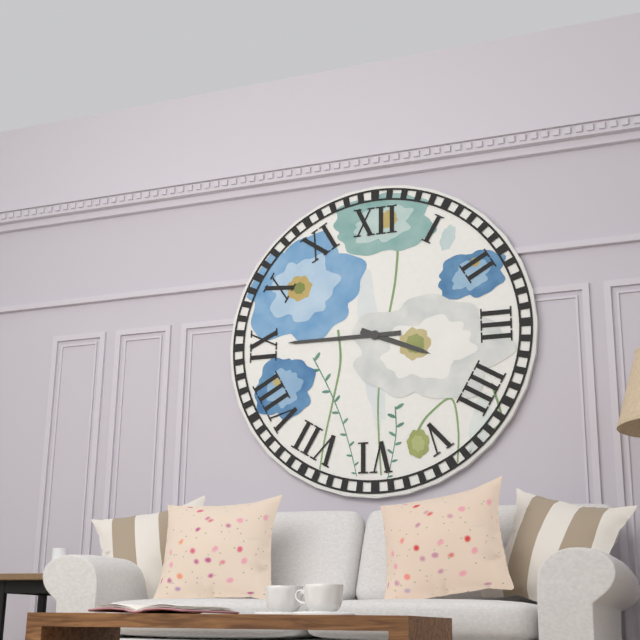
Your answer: 3,45
